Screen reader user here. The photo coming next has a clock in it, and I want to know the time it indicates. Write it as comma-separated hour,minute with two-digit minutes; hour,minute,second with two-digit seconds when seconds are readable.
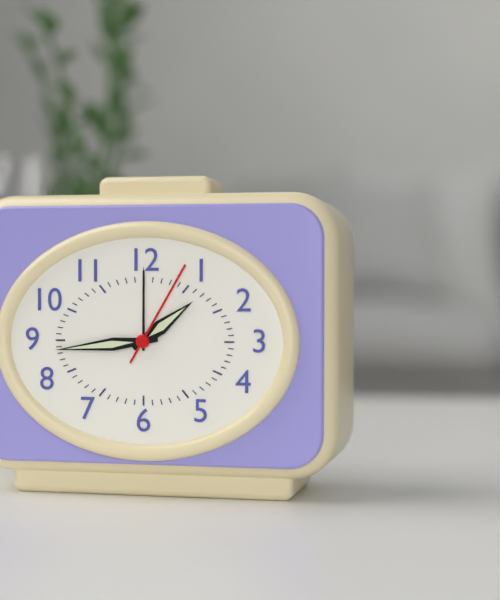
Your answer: 1,44,05
